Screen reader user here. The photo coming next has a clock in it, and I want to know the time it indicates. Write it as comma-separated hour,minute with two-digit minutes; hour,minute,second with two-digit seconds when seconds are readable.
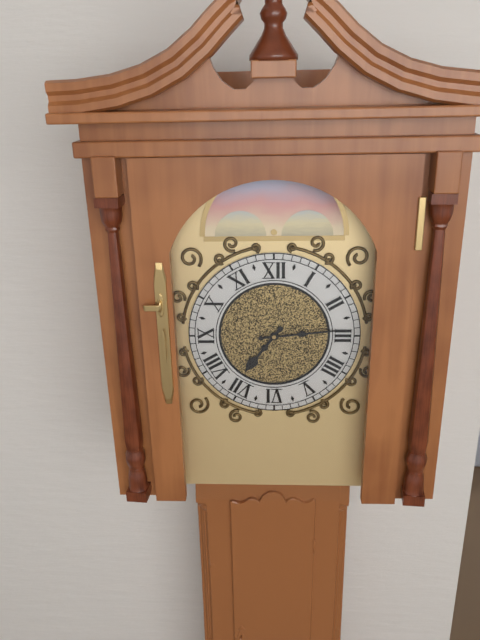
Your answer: 7,14
